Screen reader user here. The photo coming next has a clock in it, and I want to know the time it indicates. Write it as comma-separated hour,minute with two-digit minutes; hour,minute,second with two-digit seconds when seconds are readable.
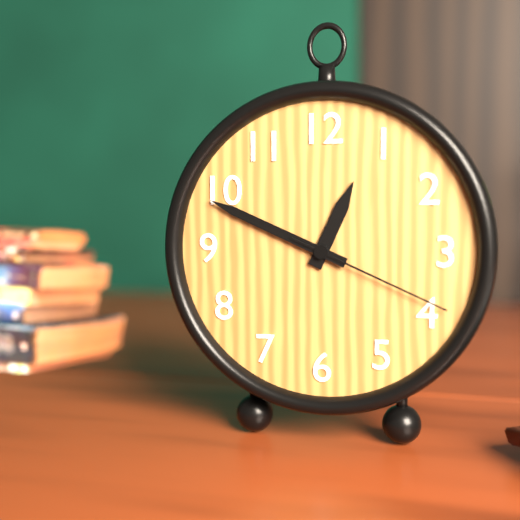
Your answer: 12,49,19
